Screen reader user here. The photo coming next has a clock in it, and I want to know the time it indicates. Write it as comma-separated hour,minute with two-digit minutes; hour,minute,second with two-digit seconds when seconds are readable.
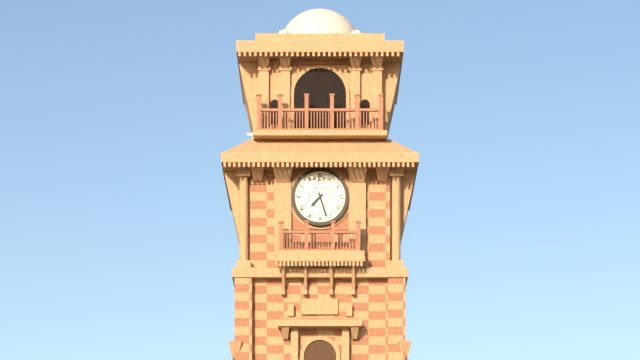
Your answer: 7,27
